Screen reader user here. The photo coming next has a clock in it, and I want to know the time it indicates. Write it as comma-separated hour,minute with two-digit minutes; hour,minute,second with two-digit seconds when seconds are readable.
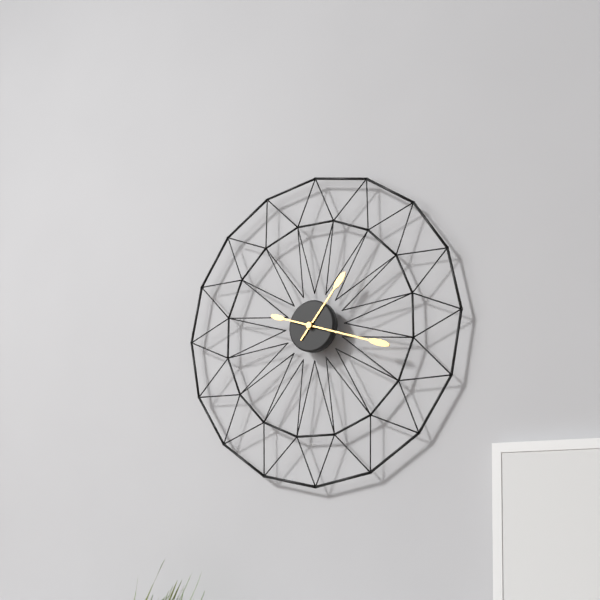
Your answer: 1,18
